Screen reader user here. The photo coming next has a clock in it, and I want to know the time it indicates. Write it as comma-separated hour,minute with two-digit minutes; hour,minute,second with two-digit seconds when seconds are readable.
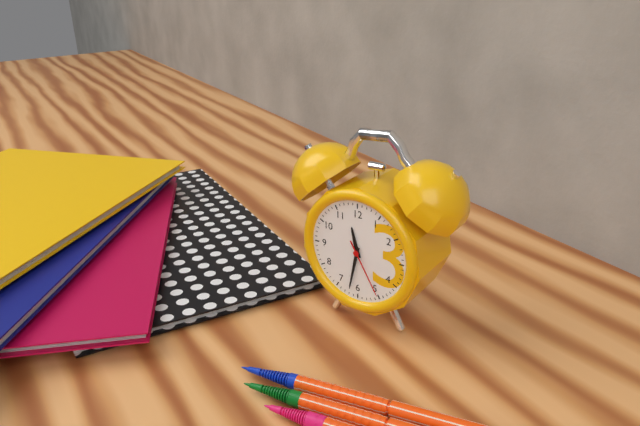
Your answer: 11,32,25
